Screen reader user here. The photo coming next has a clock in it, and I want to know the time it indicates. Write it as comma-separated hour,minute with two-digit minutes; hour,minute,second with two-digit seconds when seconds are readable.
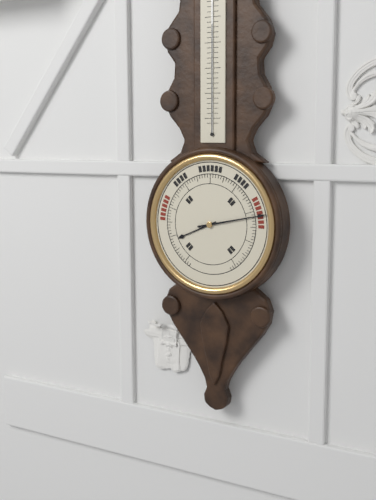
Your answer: 8,13
